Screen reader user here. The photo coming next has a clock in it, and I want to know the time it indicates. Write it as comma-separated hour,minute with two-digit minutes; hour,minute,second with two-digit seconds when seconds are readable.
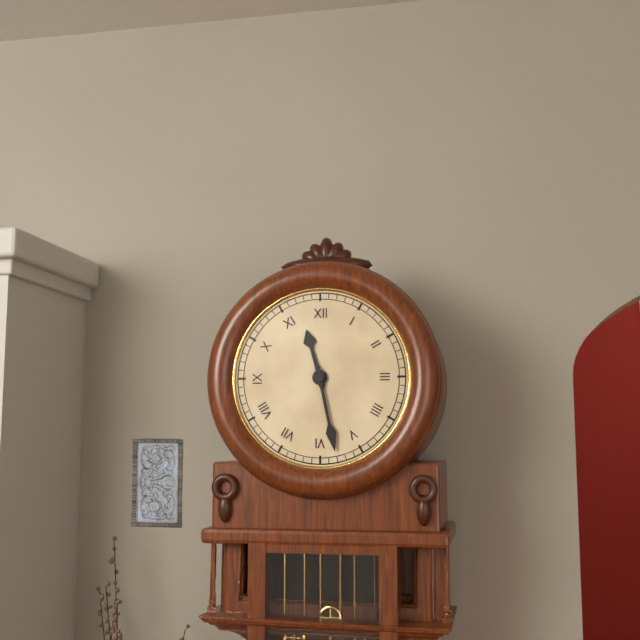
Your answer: 11,28
